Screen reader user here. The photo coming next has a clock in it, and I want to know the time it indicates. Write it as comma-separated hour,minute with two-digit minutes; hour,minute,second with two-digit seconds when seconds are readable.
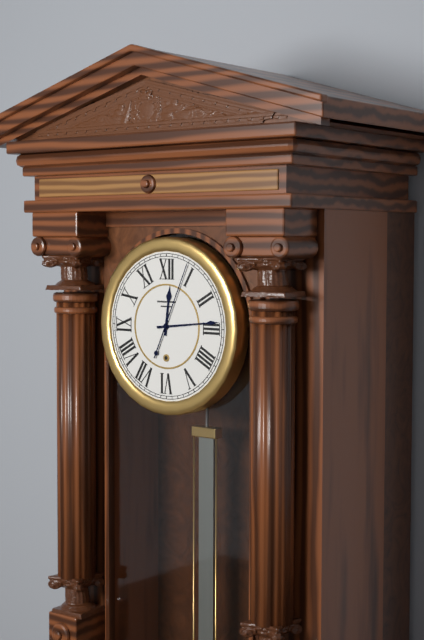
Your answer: 12,14,04
